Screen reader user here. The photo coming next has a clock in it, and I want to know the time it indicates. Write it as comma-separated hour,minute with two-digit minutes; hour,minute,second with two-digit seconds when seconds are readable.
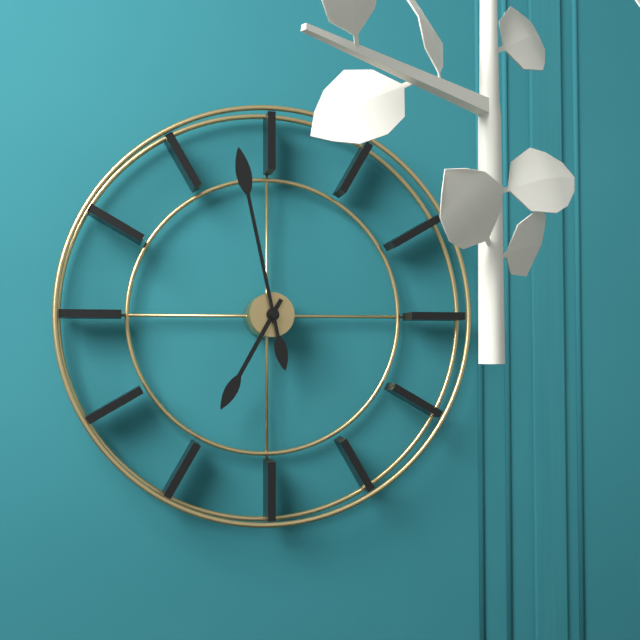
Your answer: 6,58
